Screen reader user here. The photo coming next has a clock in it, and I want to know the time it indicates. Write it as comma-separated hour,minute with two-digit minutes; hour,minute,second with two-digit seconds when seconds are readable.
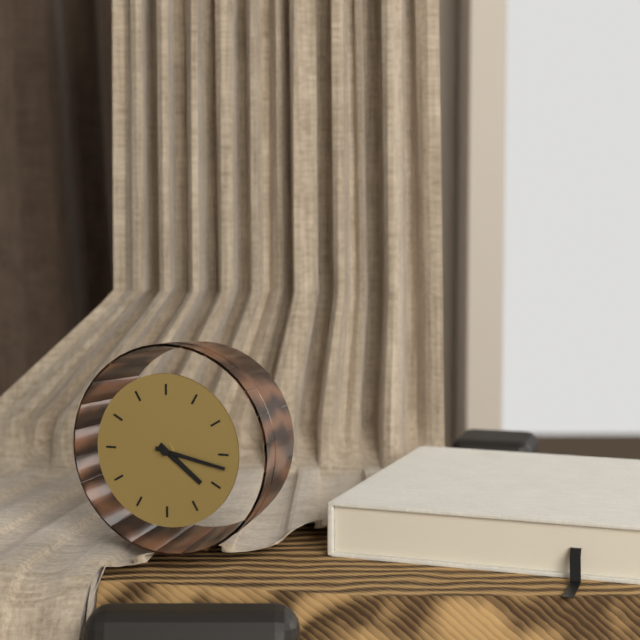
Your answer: 4,17
